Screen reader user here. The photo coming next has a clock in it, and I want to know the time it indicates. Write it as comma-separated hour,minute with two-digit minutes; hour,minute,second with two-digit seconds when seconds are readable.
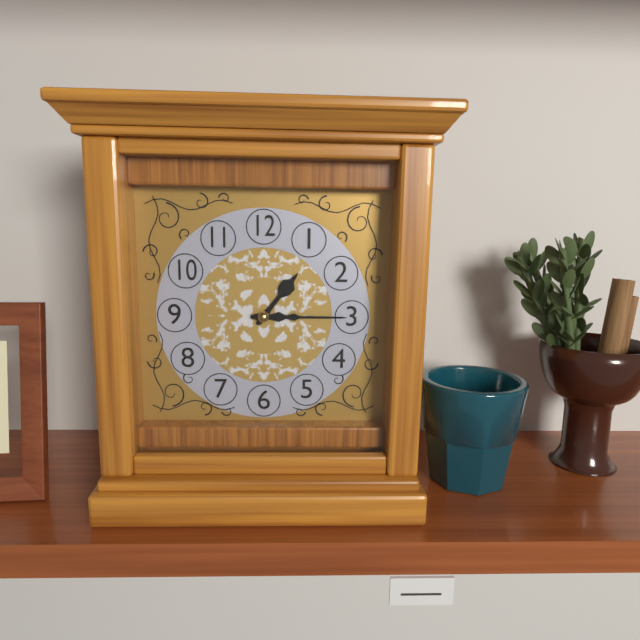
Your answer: 1,15
